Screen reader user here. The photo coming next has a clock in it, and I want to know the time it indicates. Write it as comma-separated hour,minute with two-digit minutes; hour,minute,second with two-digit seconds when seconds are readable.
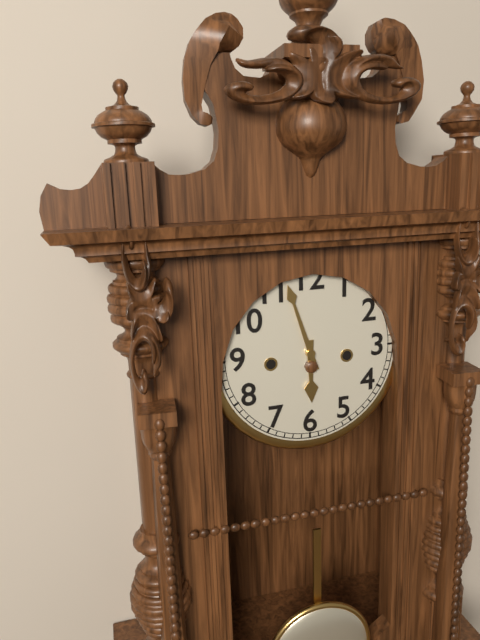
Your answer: 5,57
